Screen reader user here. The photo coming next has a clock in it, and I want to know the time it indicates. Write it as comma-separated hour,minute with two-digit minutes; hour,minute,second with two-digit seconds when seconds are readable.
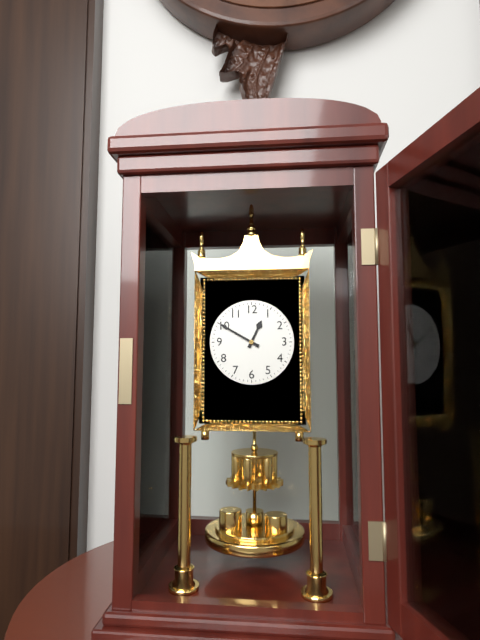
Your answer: 12,50
